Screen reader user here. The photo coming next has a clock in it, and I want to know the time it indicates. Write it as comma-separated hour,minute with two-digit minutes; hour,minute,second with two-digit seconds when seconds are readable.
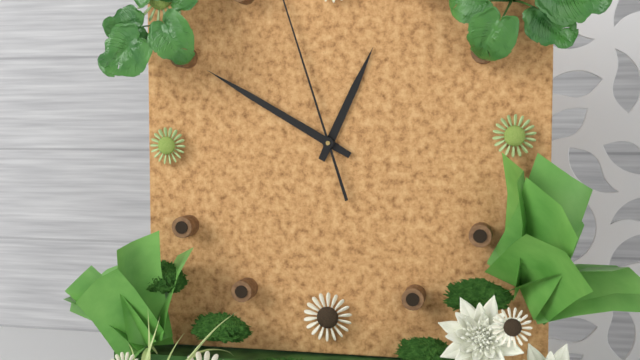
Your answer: 12,50
